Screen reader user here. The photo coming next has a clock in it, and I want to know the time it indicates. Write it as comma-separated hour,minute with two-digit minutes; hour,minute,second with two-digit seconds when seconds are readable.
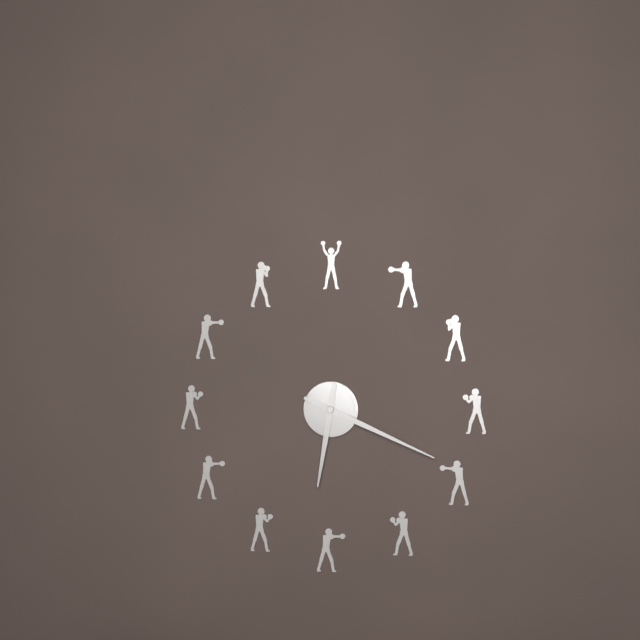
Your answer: 6,19
